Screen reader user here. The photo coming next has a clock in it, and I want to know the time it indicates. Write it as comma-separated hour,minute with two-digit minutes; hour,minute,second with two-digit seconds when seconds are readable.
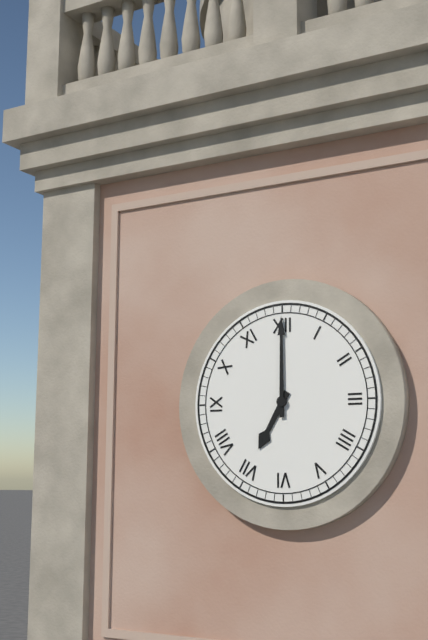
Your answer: 7,00
